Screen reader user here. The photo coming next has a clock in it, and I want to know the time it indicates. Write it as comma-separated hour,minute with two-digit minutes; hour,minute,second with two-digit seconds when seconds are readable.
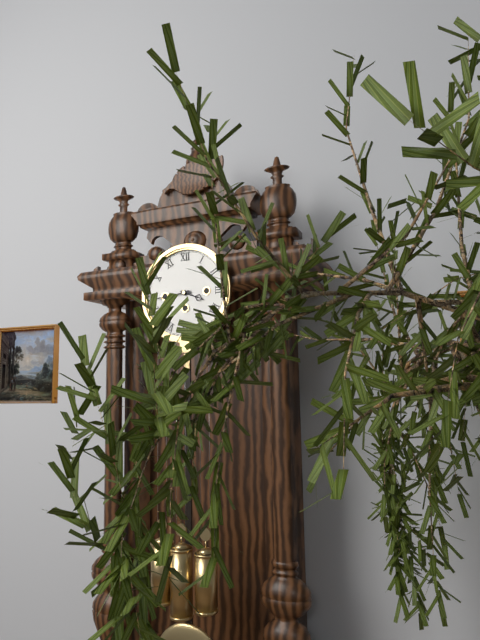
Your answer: 3,44
